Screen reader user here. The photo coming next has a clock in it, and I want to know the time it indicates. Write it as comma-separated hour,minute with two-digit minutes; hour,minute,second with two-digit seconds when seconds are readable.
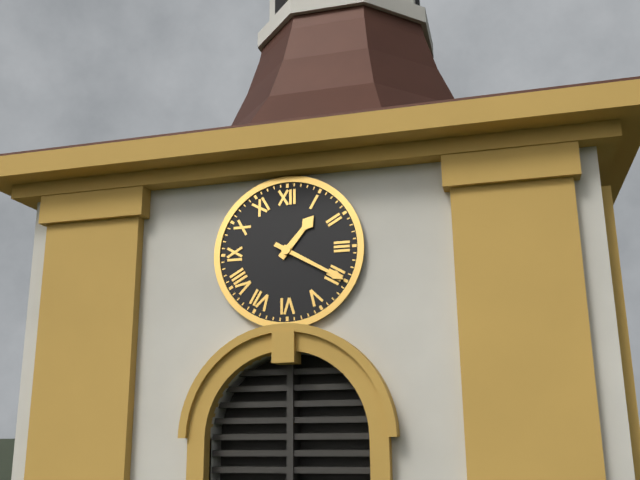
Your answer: 1,20
